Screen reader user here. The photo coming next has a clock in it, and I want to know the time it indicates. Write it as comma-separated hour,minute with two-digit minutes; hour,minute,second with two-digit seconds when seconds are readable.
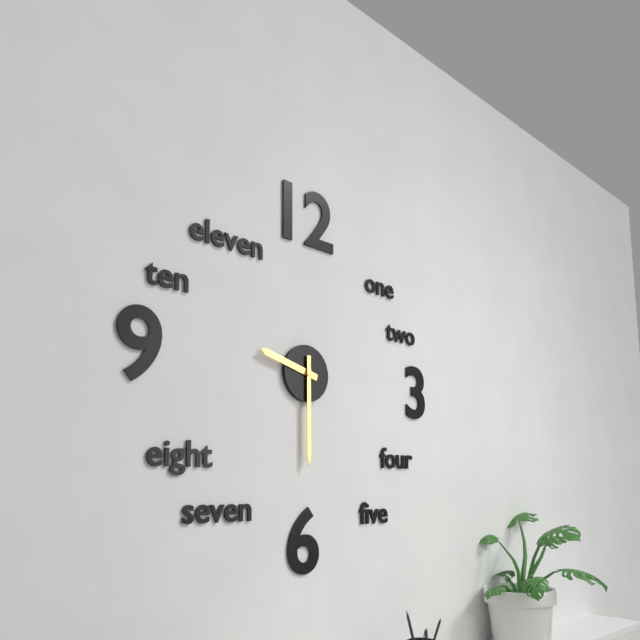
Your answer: 9,30
